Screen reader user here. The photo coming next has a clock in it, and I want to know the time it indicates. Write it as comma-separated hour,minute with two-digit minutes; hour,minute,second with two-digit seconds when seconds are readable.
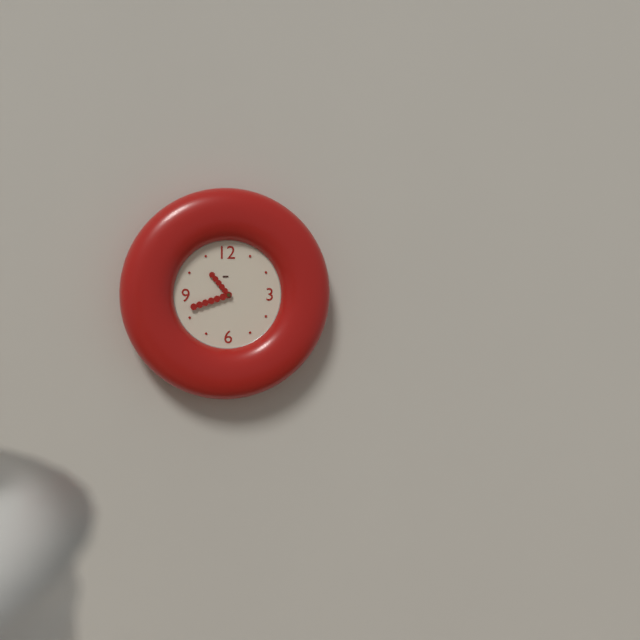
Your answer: 10,42
